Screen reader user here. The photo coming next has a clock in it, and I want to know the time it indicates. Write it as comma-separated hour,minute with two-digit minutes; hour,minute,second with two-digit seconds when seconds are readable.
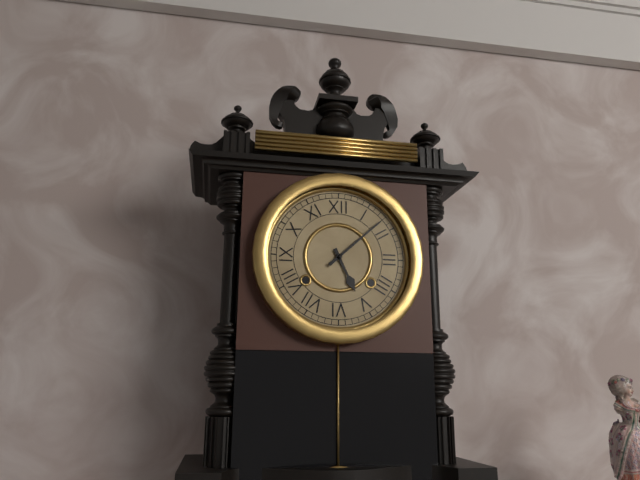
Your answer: 5,08
